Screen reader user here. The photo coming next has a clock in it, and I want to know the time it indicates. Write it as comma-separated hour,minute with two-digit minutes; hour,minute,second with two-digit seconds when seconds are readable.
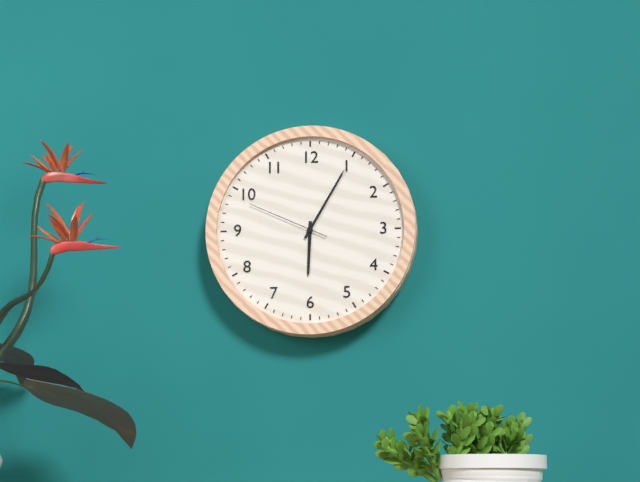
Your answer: 6,05,49
